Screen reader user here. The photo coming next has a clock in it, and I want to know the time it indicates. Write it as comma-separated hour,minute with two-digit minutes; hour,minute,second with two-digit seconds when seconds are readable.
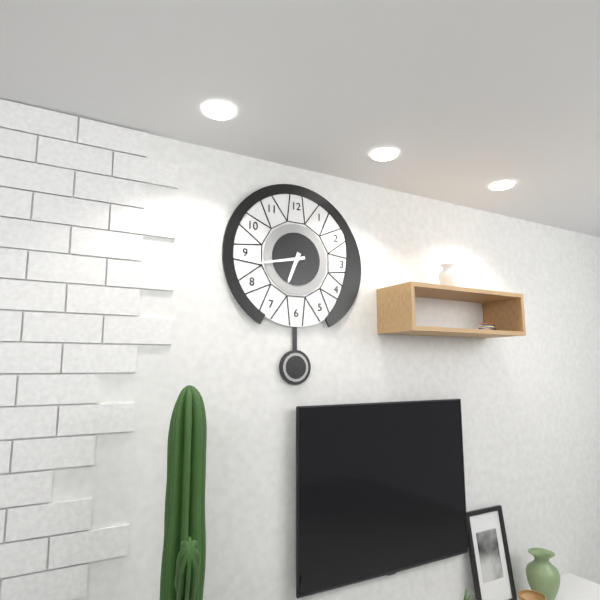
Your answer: 6,43
